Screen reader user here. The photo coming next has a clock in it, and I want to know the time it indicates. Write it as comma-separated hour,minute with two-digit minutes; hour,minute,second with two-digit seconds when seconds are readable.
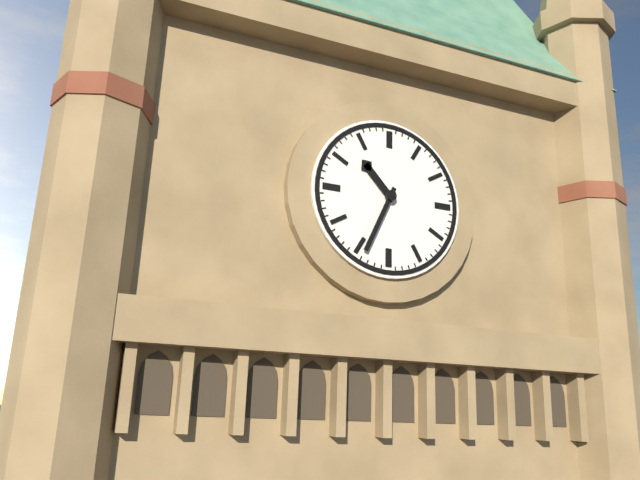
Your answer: 10,34
